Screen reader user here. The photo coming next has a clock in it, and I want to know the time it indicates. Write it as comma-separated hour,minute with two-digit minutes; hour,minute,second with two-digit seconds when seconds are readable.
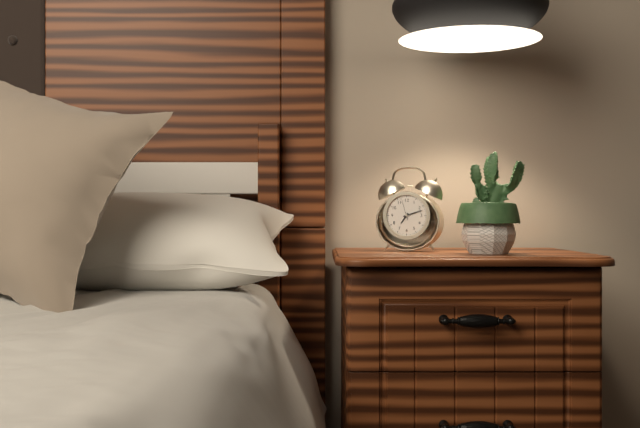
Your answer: 7,12
